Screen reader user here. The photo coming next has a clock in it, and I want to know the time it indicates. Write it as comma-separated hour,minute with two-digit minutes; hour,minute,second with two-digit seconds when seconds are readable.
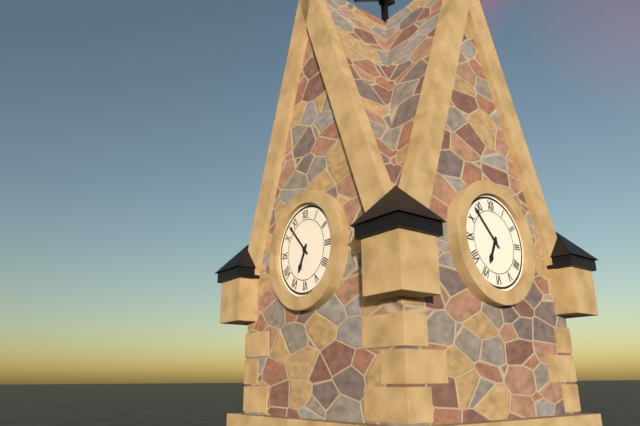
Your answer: 6,53
